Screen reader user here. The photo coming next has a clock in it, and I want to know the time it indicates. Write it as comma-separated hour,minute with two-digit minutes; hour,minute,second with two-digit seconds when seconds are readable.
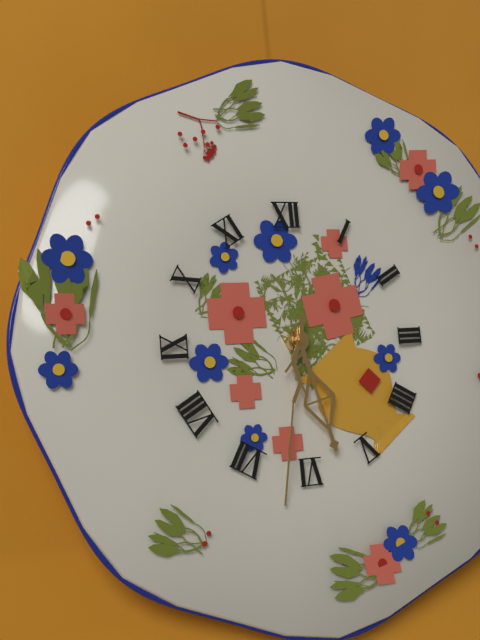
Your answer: 5,32
